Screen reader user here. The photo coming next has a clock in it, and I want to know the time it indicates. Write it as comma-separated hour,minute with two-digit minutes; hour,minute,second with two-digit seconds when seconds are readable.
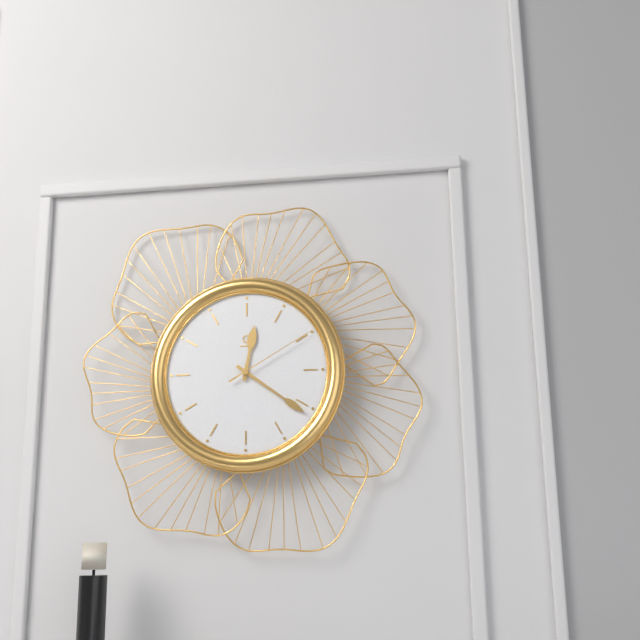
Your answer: 12,21,10
